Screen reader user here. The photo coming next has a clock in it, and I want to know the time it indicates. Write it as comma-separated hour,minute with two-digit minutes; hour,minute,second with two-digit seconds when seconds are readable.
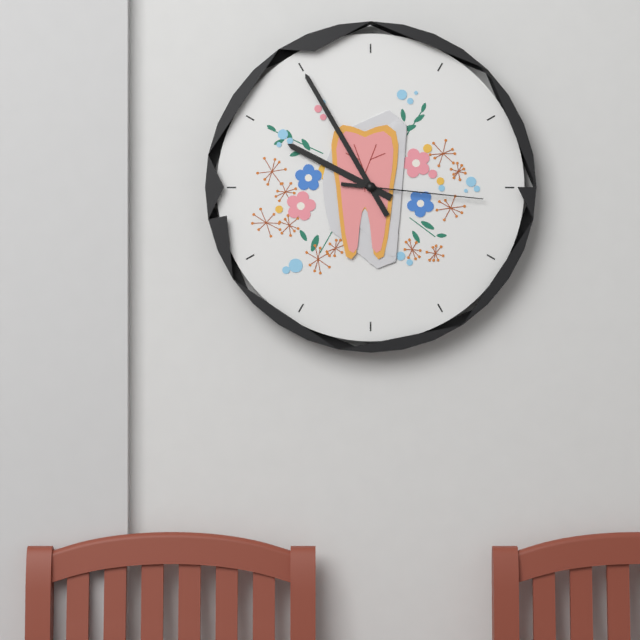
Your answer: 9,55,16
